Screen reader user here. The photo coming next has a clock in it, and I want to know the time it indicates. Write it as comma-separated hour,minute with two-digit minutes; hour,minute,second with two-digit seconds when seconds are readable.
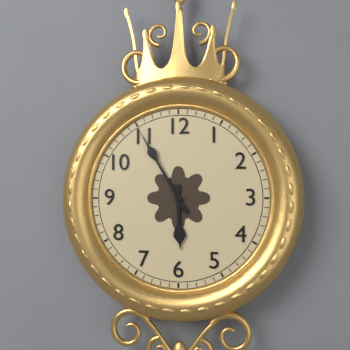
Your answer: 5,55
